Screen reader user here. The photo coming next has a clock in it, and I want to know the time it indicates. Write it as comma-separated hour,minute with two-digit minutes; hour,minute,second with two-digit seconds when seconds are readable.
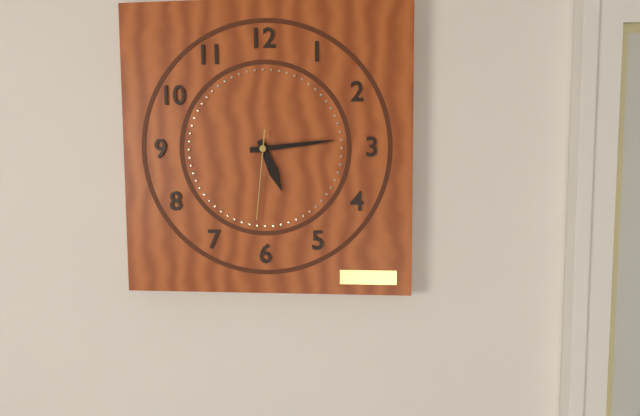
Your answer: 5,14,31
